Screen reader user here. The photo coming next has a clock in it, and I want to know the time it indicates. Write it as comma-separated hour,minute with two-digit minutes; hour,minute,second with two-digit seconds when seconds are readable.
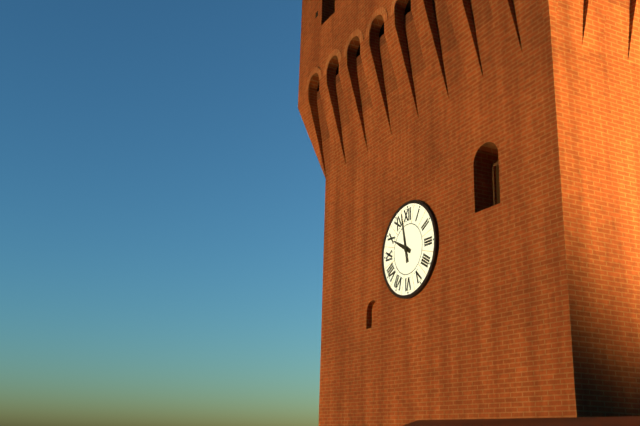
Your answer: 9,58
